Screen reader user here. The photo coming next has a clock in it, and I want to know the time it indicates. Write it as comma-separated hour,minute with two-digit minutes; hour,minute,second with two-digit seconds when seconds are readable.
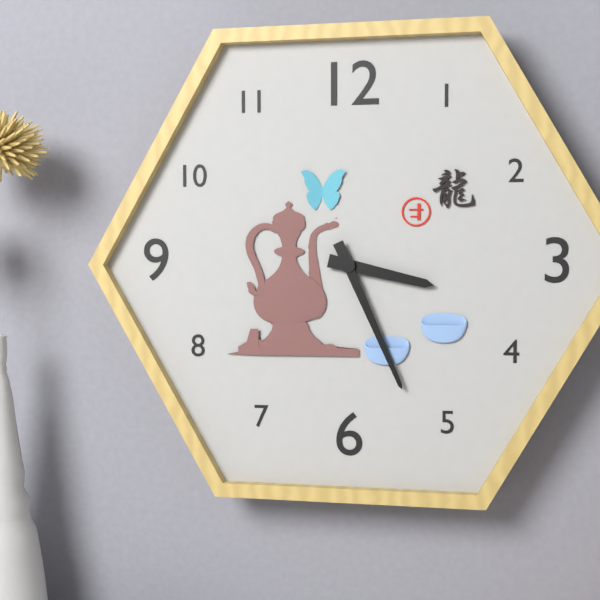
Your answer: 3,26
